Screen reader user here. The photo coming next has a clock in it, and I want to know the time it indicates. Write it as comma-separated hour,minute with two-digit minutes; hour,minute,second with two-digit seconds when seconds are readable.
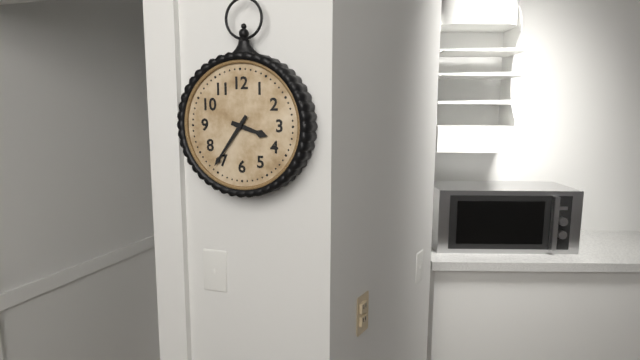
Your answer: 3,36
